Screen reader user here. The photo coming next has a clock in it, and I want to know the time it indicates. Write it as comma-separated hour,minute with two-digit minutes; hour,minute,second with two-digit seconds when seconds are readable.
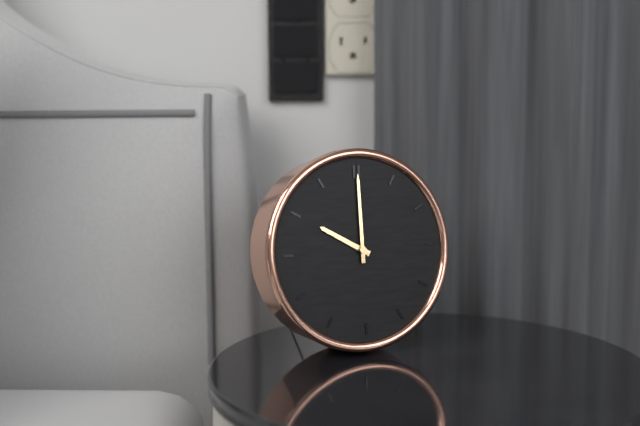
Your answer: 10,00
